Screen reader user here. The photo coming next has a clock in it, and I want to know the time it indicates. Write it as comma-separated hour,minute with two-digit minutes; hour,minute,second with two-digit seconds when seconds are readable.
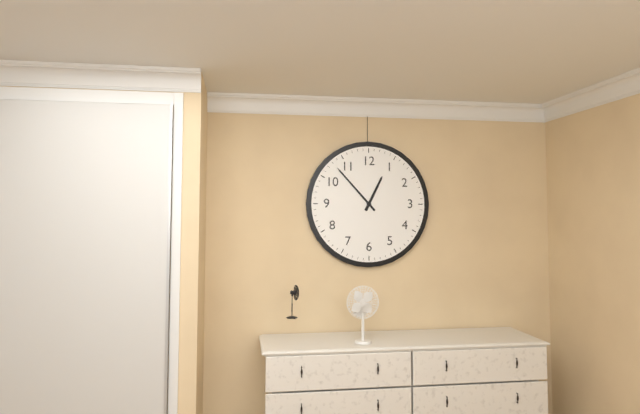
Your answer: 12,53
